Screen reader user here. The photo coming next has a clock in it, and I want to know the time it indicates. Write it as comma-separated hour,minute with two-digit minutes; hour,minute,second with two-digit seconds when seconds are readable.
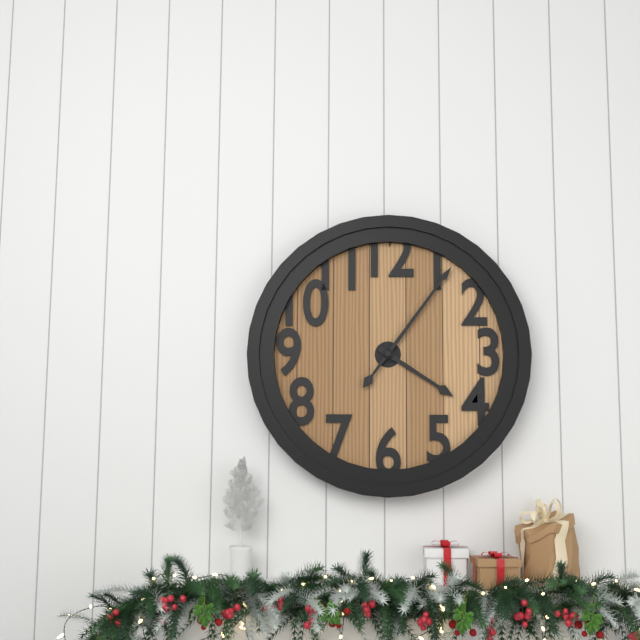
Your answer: 4,06
